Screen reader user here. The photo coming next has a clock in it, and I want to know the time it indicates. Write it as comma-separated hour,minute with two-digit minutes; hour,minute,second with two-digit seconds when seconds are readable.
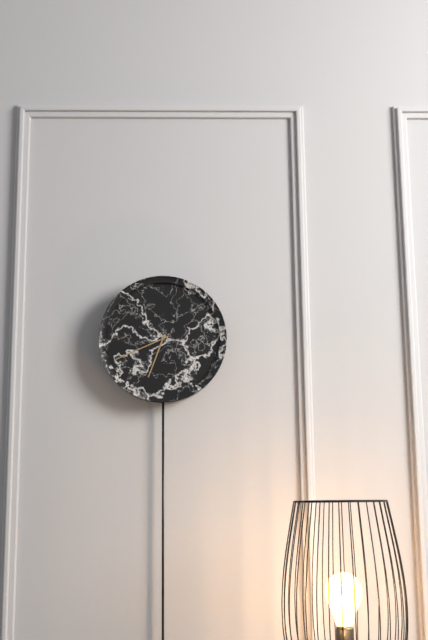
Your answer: 6,41
